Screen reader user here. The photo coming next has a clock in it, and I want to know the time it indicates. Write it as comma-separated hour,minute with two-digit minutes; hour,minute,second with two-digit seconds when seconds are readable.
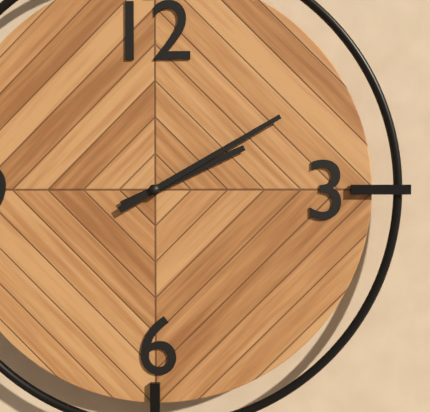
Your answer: 2,10
